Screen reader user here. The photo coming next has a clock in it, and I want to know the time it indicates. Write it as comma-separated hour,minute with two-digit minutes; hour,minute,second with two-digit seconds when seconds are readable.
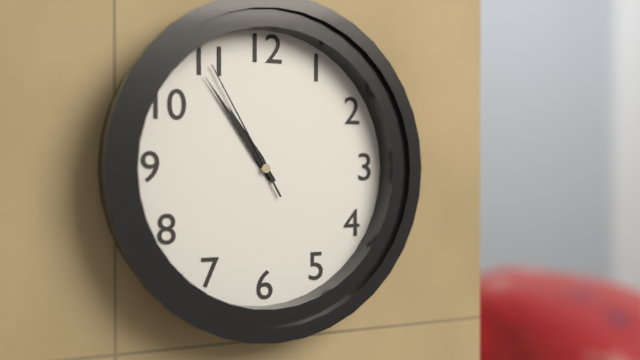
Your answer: 10,54,55
